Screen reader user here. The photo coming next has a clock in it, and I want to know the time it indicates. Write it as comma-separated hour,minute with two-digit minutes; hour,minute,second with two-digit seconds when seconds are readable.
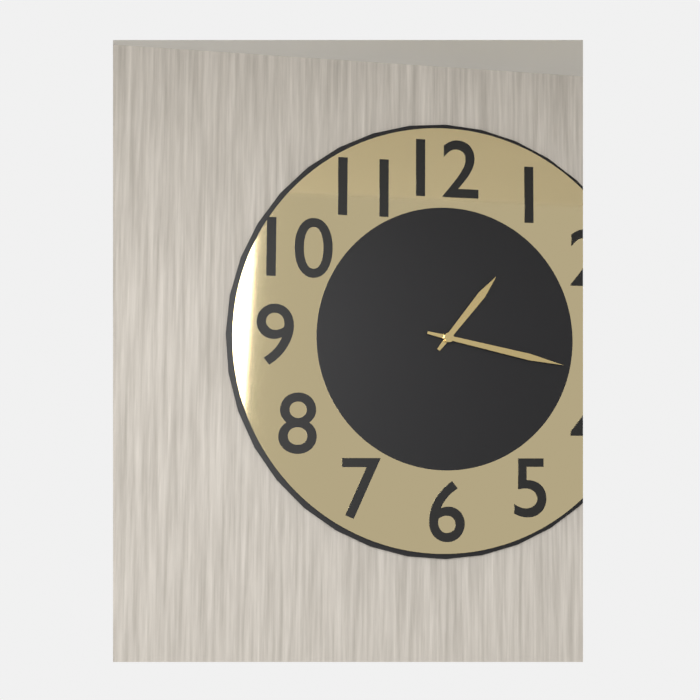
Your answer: 1,17
